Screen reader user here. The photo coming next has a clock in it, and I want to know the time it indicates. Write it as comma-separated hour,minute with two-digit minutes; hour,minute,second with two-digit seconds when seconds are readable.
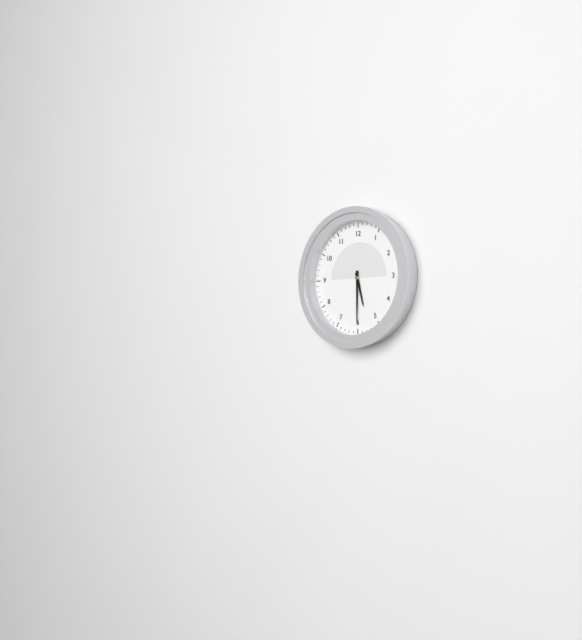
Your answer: 5,30
